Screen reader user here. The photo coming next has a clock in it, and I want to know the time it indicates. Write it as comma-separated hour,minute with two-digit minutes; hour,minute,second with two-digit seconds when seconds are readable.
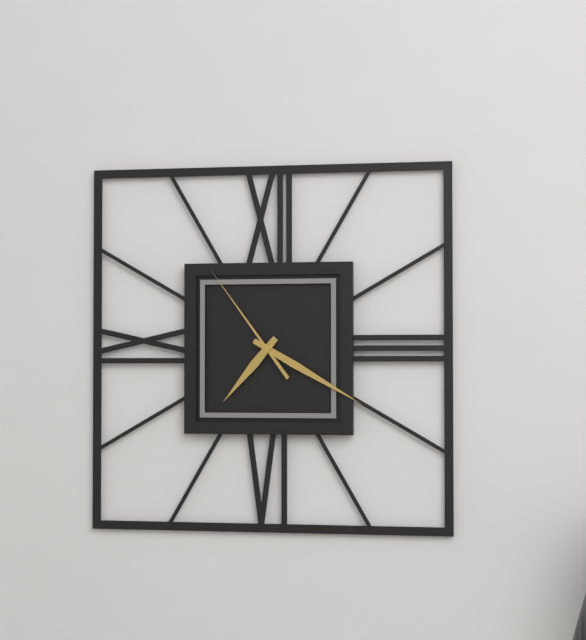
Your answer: 7,20,54
